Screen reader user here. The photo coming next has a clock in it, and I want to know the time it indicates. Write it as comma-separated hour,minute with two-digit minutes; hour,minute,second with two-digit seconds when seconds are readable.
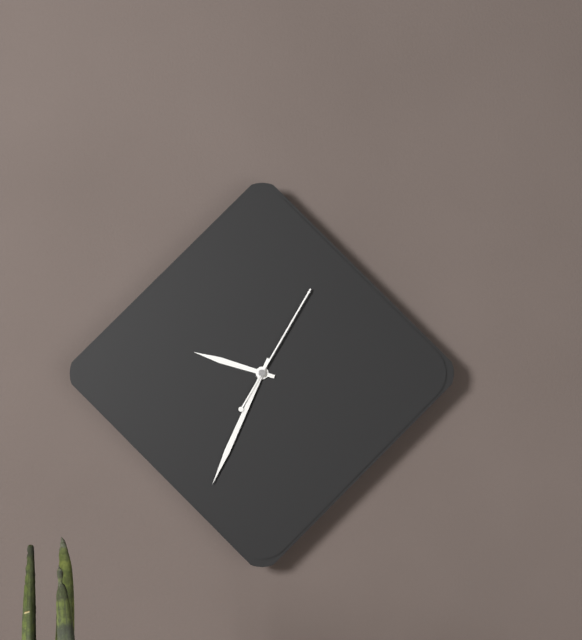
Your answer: 9,34,05
